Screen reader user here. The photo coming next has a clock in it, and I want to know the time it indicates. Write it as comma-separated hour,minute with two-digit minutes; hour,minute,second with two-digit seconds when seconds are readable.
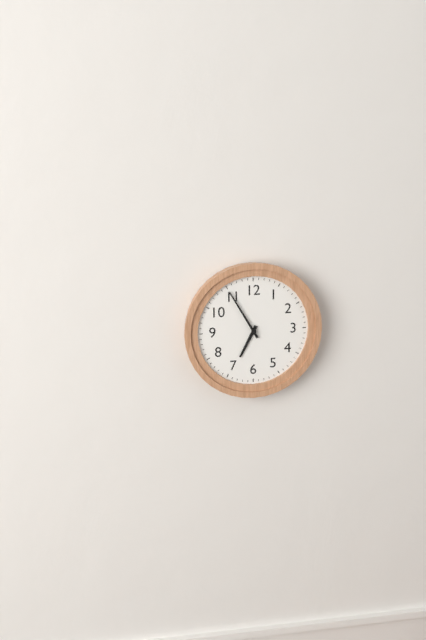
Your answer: 6,55
